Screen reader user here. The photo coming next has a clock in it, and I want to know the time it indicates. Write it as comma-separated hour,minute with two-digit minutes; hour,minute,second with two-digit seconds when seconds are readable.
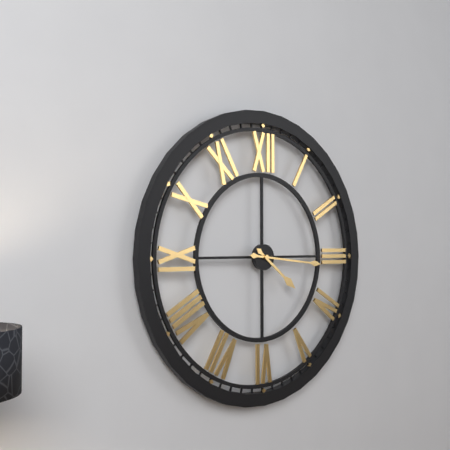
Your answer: 4,16
